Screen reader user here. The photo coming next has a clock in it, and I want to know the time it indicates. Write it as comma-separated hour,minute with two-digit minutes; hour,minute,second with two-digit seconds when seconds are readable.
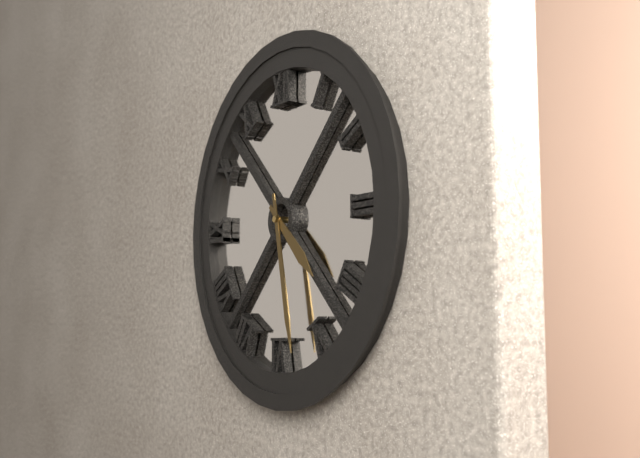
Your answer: 4,28
